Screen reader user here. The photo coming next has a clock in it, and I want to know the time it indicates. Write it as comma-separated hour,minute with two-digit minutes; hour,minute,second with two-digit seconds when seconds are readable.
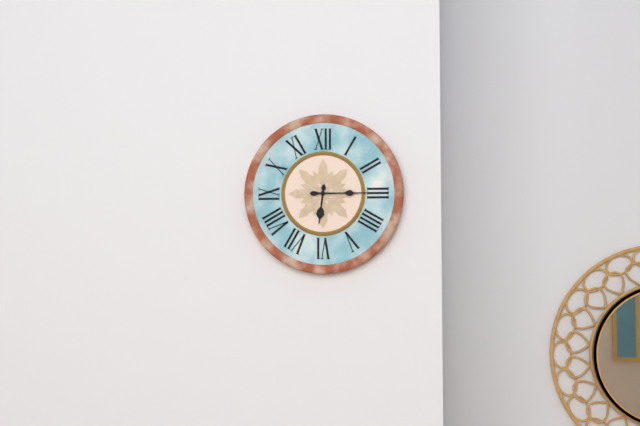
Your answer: 6,15
